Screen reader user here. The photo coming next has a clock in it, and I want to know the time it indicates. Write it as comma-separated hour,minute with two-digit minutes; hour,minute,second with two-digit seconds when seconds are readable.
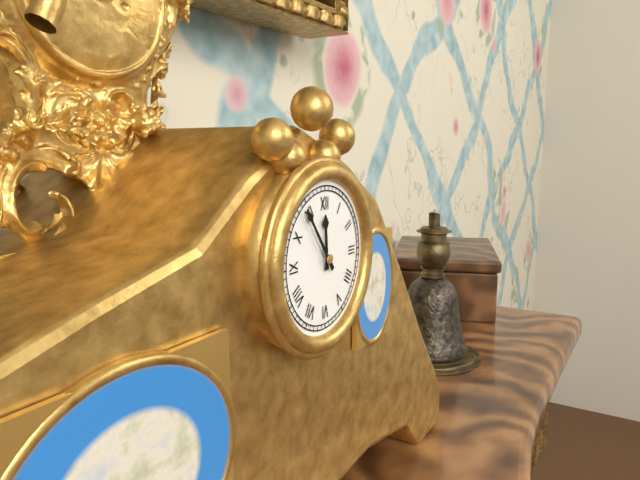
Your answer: 11,54
